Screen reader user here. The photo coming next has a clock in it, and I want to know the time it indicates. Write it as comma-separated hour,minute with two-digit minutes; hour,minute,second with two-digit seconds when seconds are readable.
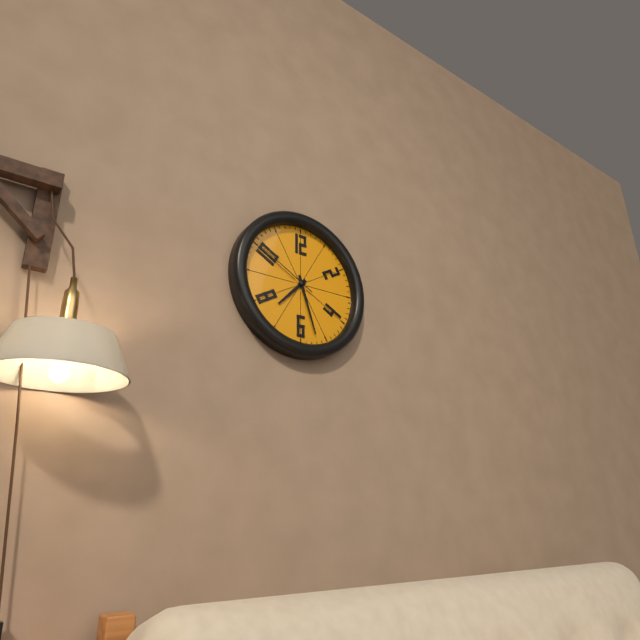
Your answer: 7,27,50
